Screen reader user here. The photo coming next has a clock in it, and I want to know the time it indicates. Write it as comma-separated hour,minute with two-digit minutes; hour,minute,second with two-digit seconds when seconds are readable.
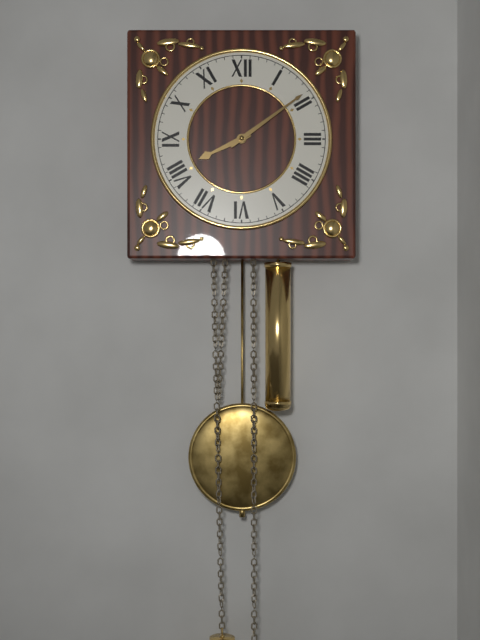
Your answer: 8,09
